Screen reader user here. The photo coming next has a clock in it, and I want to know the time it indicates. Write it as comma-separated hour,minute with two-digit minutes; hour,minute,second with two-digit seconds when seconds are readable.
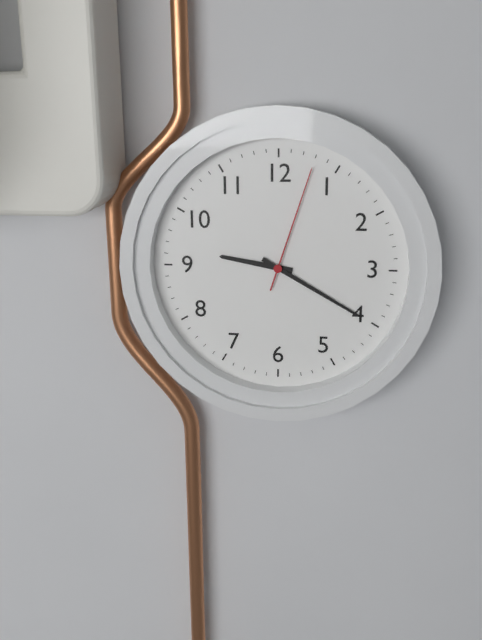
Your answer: 9,20,03
